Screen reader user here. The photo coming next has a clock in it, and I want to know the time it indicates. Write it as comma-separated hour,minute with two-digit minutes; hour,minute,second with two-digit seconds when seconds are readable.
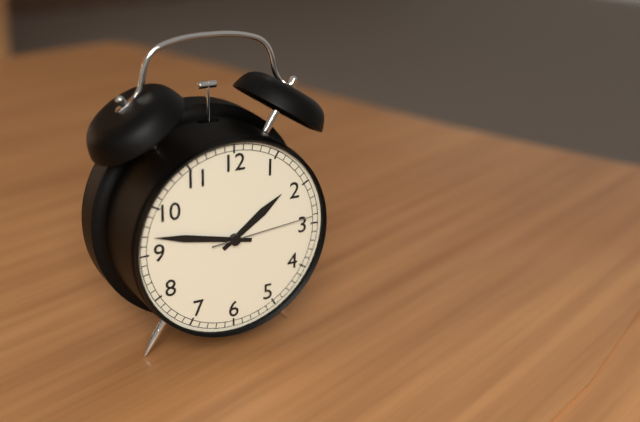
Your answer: 1,47,14
